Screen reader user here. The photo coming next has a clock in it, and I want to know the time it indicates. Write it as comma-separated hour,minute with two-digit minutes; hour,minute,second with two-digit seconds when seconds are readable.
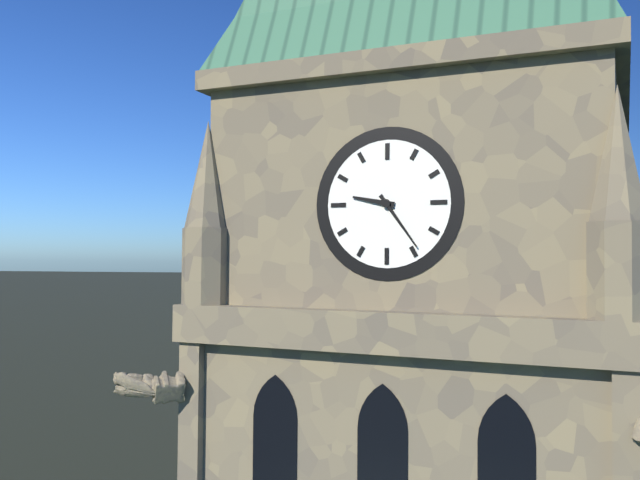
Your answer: 9,24
